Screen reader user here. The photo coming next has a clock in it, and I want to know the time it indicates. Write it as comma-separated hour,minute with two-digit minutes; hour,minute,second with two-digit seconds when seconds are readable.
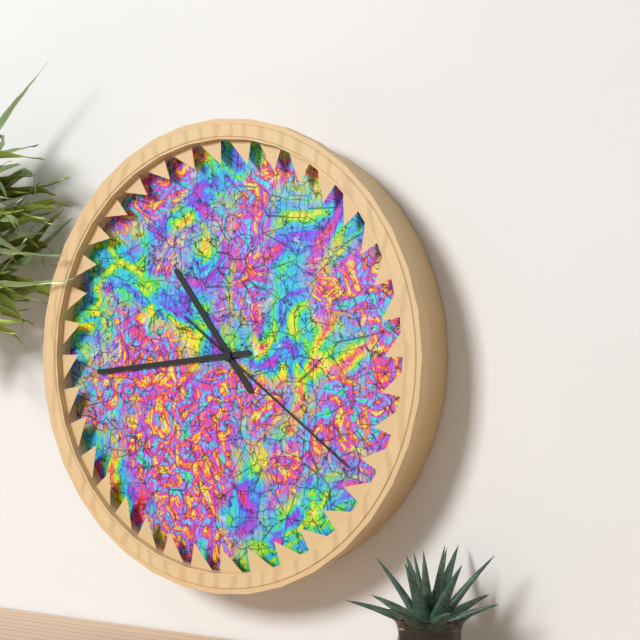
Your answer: 10,44,21
